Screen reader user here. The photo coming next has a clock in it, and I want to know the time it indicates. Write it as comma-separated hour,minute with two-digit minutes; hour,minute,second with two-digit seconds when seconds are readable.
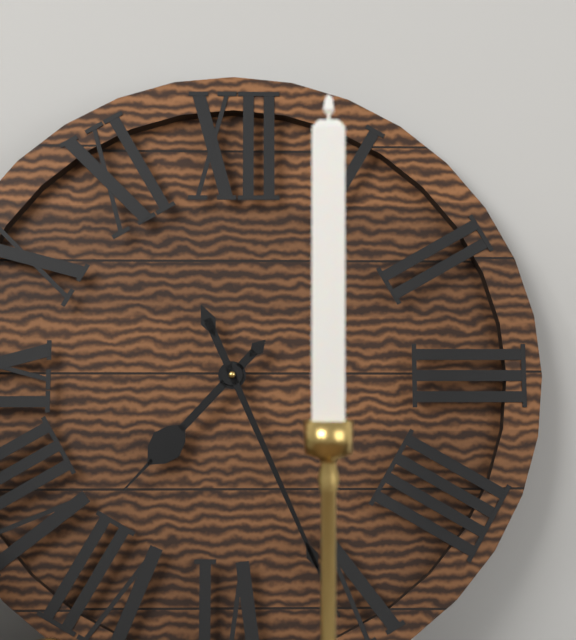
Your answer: 7,26
